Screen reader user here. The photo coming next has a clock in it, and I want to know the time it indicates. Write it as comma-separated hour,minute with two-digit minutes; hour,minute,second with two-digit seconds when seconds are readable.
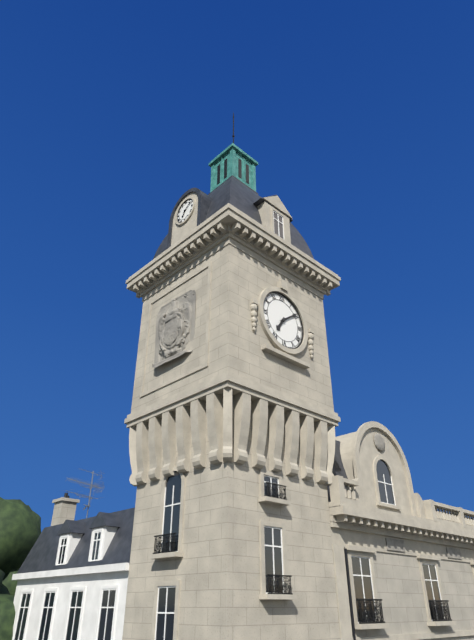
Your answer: 7,09
